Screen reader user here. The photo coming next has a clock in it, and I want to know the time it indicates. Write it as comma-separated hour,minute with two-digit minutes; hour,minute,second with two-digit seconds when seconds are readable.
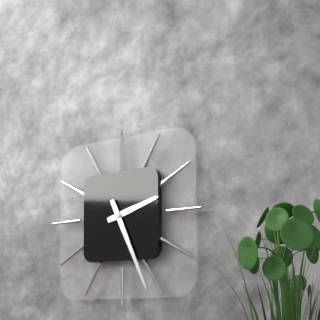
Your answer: 2,26
